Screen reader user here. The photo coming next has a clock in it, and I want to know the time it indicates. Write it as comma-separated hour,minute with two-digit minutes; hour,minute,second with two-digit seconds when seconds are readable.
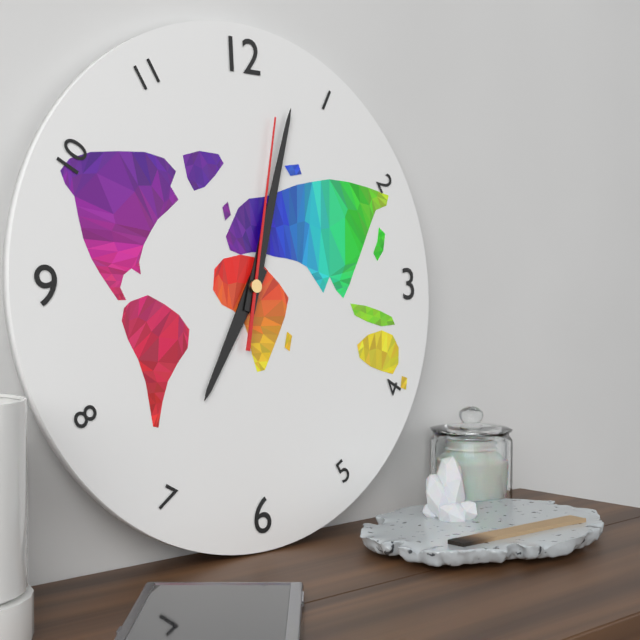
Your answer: 7,03,02
